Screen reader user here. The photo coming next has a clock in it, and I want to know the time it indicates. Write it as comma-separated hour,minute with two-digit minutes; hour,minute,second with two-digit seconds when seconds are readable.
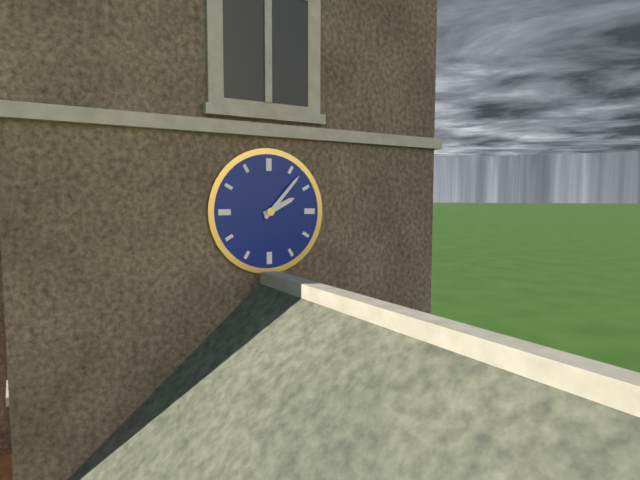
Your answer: 2,07
